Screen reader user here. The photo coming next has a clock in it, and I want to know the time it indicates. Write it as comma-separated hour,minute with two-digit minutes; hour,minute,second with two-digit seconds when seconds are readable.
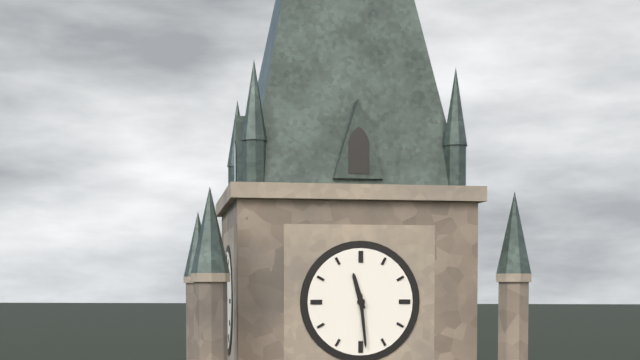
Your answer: 11,29
